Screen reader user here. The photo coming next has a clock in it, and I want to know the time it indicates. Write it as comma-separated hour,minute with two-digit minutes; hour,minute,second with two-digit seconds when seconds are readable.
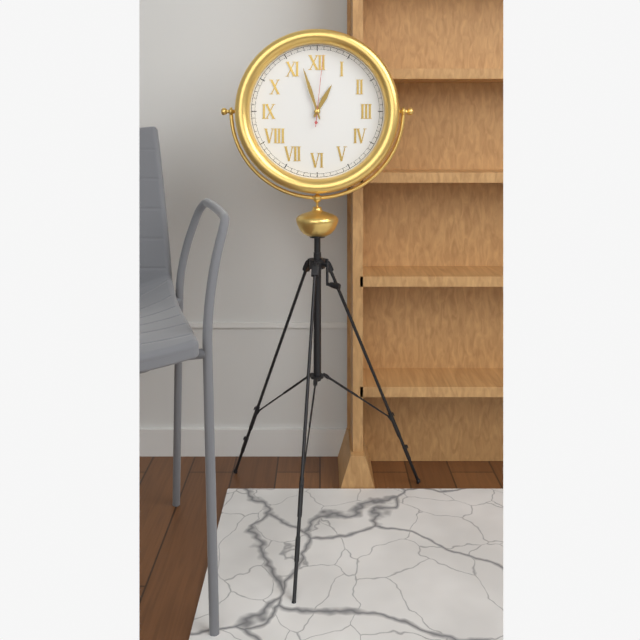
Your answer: 12,57,01
